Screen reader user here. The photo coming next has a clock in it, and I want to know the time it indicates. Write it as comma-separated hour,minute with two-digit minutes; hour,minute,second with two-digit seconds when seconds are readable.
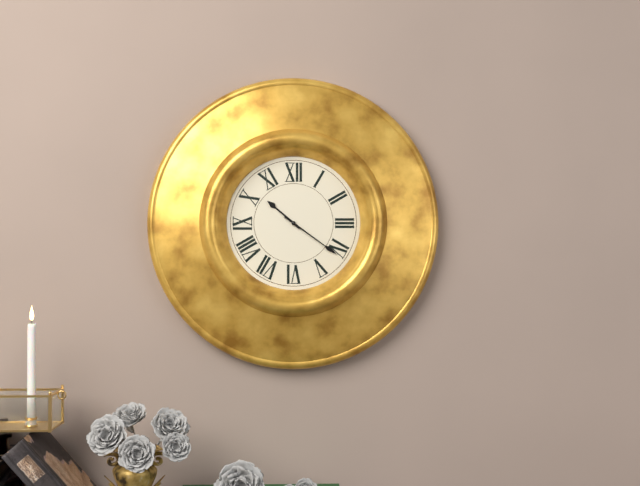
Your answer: 10,21
